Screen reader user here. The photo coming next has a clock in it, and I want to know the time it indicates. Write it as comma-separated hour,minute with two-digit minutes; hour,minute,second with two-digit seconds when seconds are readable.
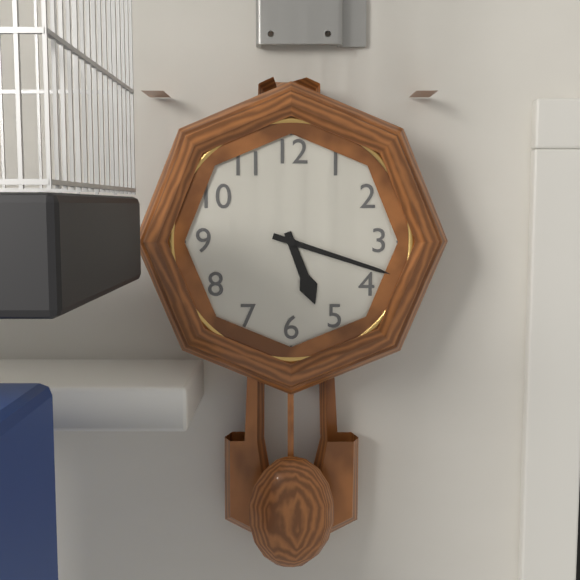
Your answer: 5,18
